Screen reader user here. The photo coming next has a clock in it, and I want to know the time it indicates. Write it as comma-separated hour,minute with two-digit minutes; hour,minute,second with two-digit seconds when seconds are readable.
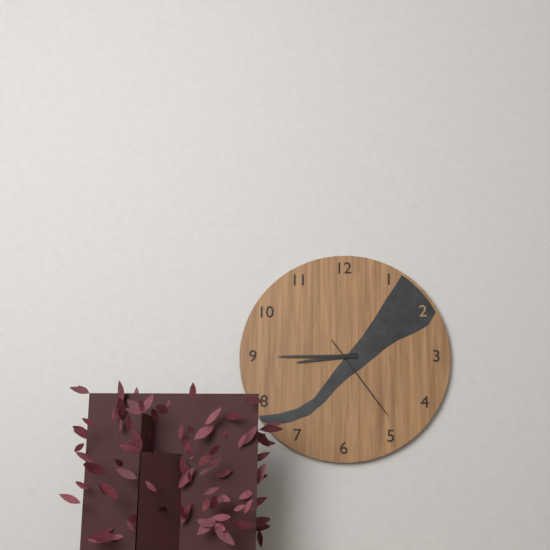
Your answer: 8,45,24
